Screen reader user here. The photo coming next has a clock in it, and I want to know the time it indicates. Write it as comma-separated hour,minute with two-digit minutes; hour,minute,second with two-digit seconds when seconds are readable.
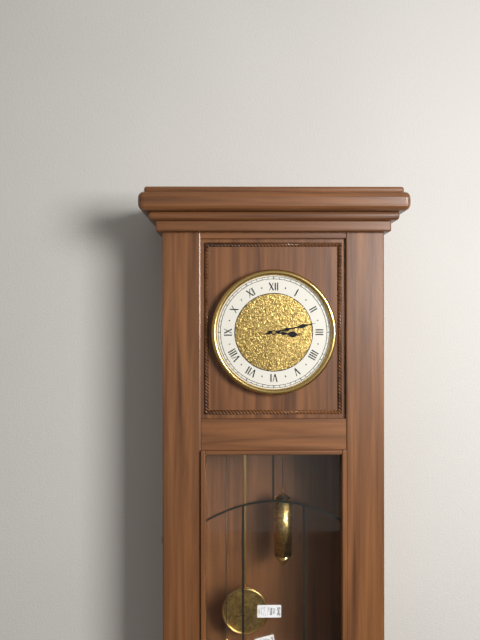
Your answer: 3,13
